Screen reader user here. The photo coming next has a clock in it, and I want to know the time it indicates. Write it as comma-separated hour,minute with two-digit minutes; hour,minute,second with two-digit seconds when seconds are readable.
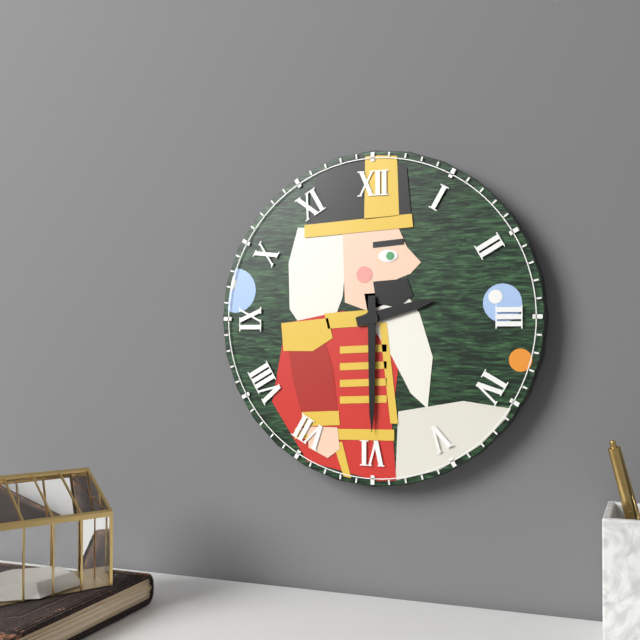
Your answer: 2,30
